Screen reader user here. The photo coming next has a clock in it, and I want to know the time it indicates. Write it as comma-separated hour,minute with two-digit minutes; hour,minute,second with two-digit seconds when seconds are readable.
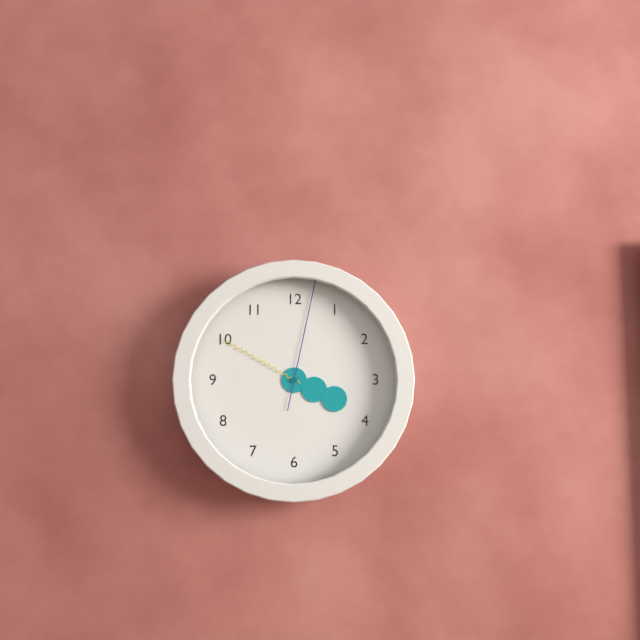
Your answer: 3,50,02
